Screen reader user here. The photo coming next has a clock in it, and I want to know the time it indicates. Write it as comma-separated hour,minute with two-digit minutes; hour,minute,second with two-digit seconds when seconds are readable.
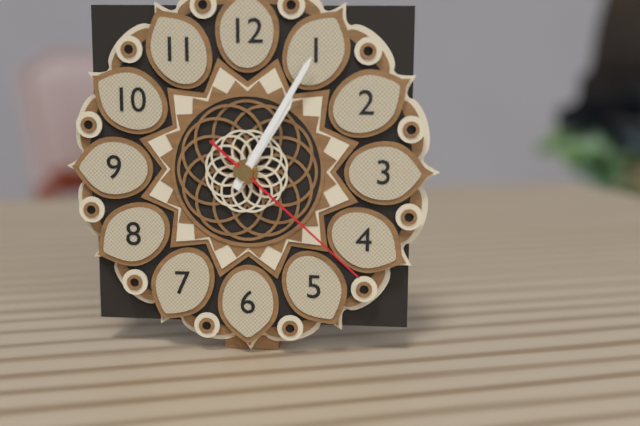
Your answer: 1,05,22
